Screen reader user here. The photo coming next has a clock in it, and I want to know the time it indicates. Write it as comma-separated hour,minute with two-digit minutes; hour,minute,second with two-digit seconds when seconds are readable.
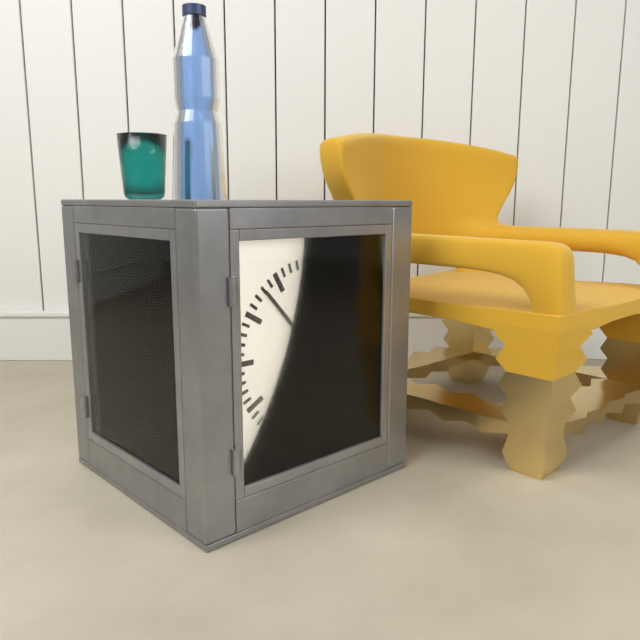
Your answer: 5,53
